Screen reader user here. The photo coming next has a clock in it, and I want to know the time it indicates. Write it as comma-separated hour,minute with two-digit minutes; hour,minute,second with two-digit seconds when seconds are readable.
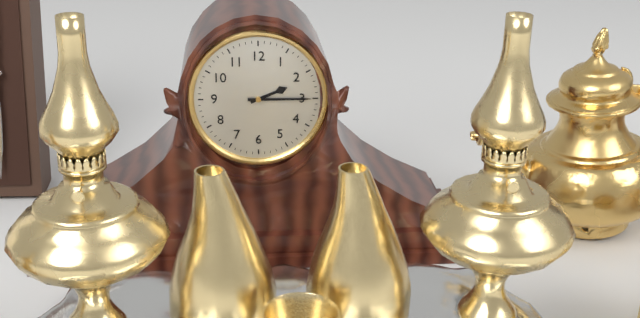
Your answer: 2,15
